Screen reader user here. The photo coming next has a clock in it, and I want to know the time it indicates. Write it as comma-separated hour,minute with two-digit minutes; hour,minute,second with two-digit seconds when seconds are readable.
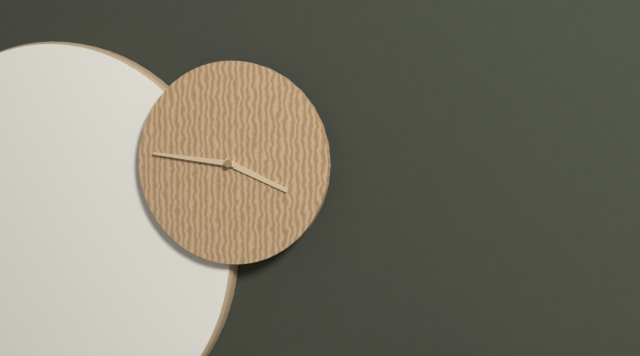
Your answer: 3,46
